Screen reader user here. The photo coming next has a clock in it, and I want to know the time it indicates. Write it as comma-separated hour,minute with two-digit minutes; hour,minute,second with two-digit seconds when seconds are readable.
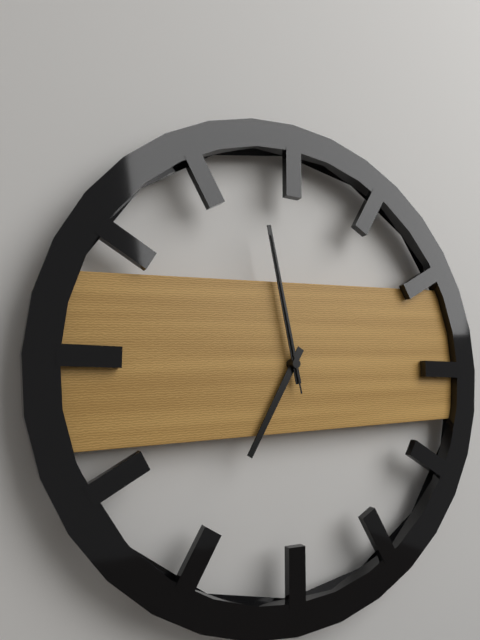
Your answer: 6,58,58
